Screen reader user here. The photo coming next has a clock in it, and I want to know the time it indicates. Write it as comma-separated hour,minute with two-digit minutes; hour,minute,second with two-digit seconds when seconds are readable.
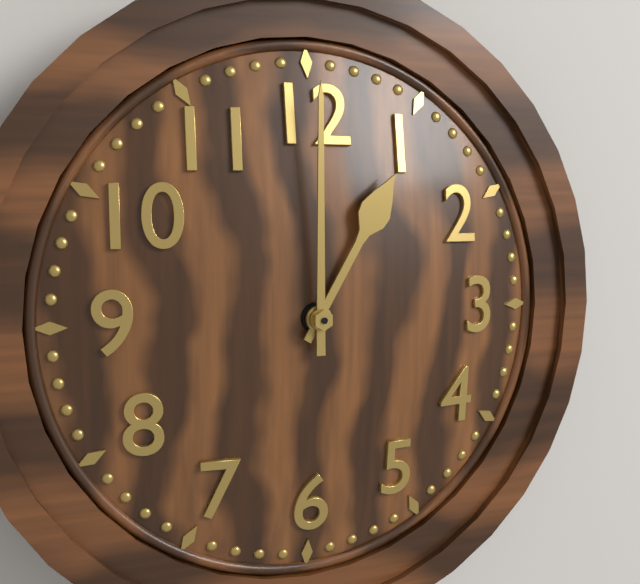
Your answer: 1,00
